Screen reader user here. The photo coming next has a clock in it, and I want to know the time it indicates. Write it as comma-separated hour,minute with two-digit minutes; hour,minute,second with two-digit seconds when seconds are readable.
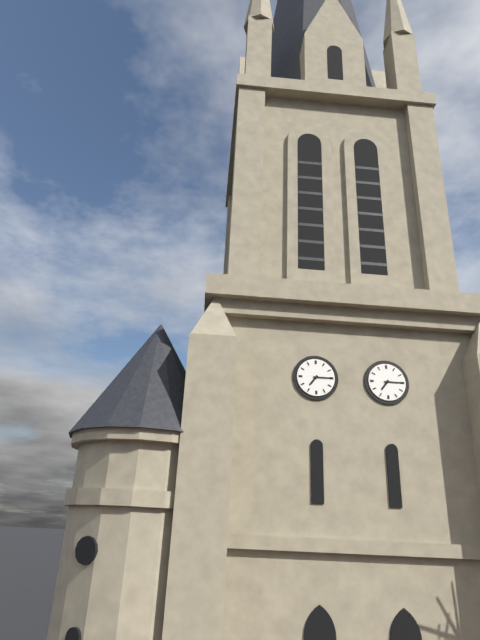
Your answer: 7,15
